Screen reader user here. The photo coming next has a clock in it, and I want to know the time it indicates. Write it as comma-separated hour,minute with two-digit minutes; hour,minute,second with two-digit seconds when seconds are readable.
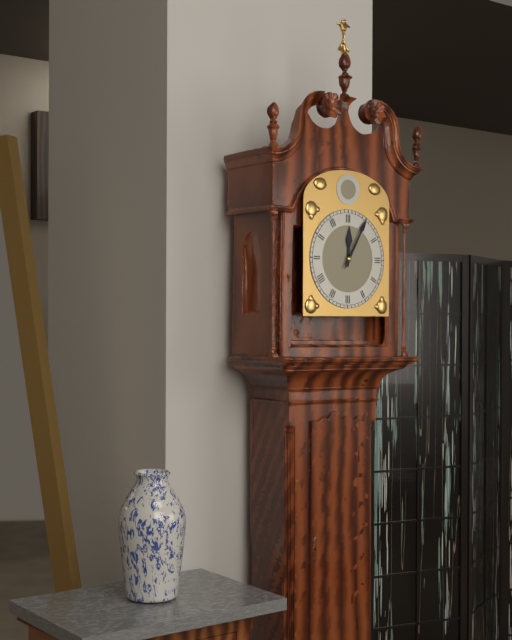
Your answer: 12,05
